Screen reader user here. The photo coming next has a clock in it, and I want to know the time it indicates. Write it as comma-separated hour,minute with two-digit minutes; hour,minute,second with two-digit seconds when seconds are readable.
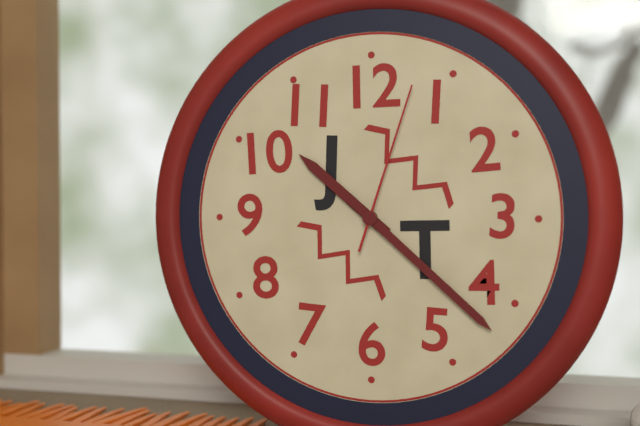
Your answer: 10,22,03
